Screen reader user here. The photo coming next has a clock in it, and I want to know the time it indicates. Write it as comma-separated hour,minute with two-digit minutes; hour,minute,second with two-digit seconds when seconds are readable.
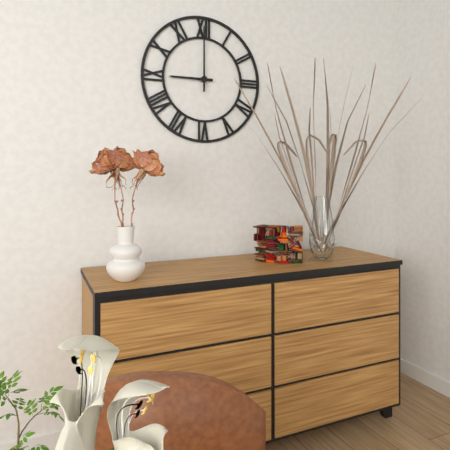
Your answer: 9,00
